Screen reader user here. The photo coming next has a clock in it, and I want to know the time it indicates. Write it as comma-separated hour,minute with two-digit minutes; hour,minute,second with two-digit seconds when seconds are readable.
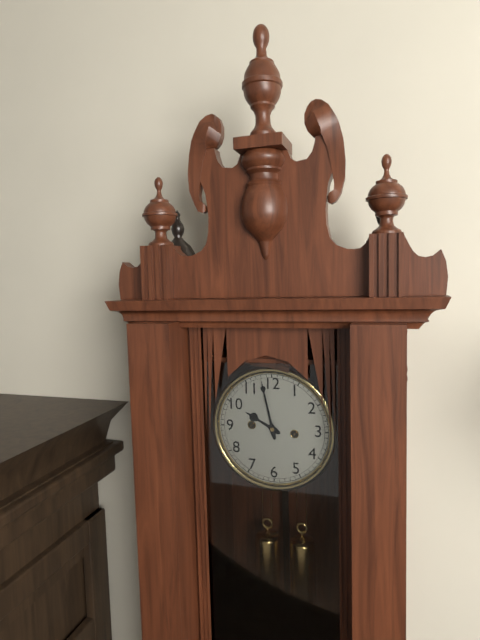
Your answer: 9,58
